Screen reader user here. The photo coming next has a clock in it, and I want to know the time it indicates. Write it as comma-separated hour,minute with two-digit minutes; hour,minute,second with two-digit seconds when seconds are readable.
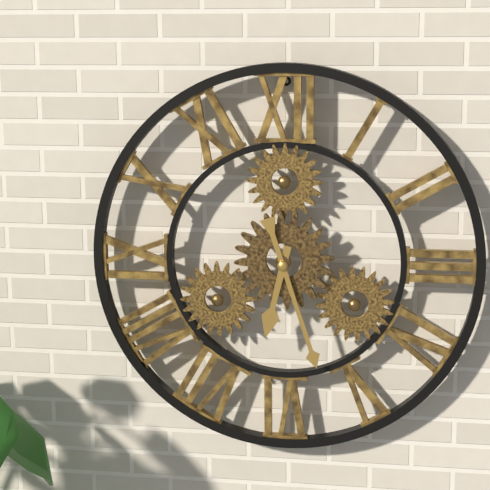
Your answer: 6,27
